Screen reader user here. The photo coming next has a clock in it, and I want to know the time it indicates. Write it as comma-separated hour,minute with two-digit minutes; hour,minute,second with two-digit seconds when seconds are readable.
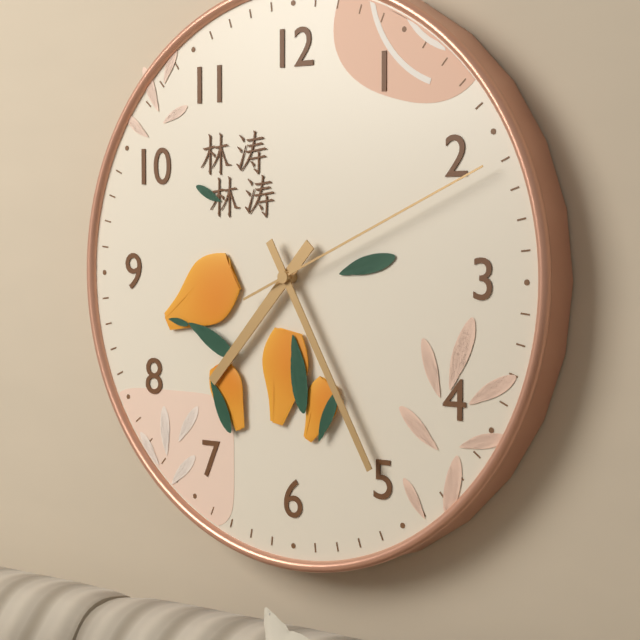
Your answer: 7,25,11
